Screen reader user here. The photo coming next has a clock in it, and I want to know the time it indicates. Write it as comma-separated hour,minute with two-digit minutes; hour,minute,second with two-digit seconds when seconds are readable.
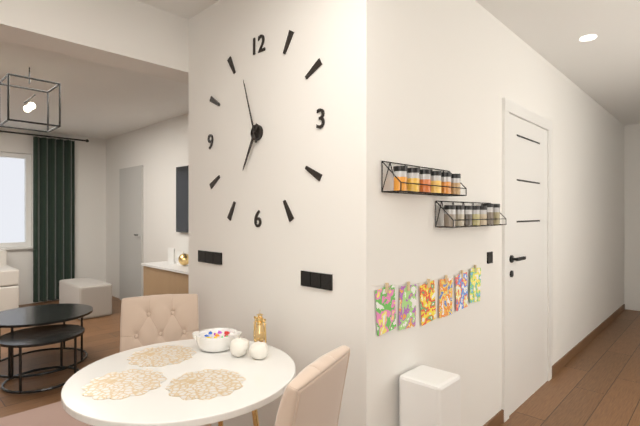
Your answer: 6,57
